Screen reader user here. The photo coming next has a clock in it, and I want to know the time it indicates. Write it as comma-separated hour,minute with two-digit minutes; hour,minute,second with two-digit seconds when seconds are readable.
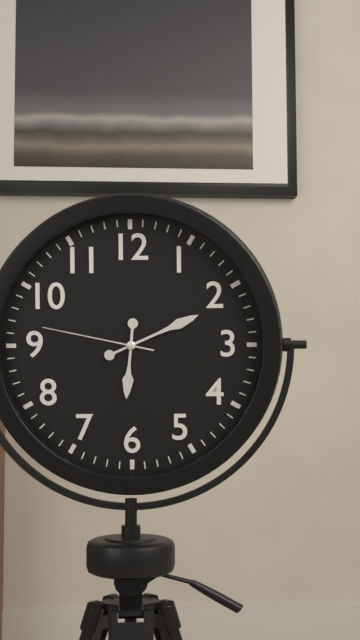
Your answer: 6,11,47
